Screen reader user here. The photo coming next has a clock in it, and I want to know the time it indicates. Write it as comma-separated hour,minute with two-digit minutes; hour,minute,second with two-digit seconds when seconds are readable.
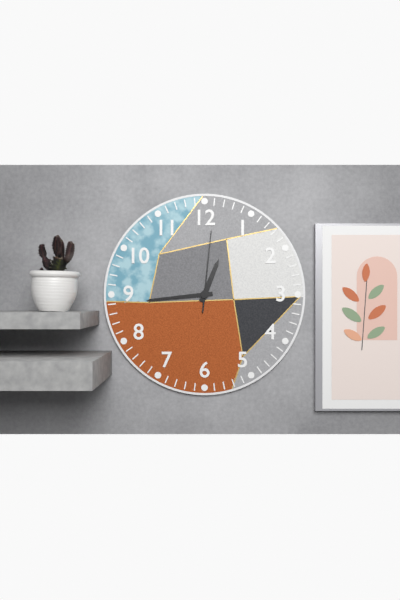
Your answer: 12,44,01
